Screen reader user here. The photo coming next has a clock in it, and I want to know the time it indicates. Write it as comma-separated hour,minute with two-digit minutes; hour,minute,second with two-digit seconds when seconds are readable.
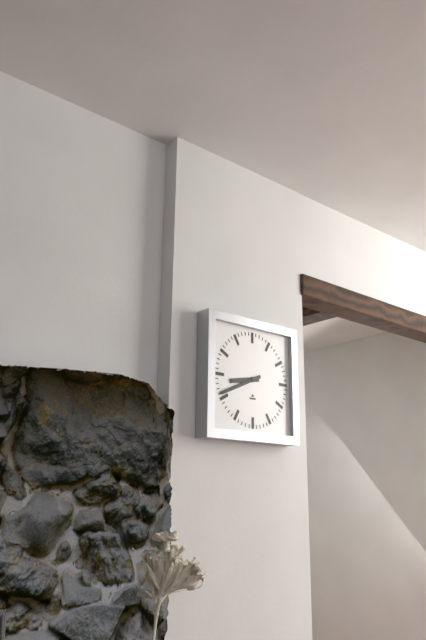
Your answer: 8,41
